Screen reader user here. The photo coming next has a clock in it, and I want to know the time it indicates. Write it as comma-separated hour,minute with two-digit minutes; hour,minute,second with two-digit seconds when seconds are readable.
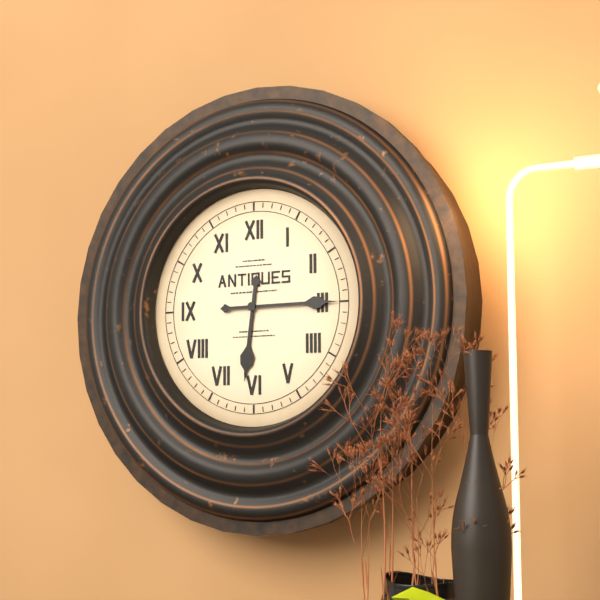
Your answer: 6,15
